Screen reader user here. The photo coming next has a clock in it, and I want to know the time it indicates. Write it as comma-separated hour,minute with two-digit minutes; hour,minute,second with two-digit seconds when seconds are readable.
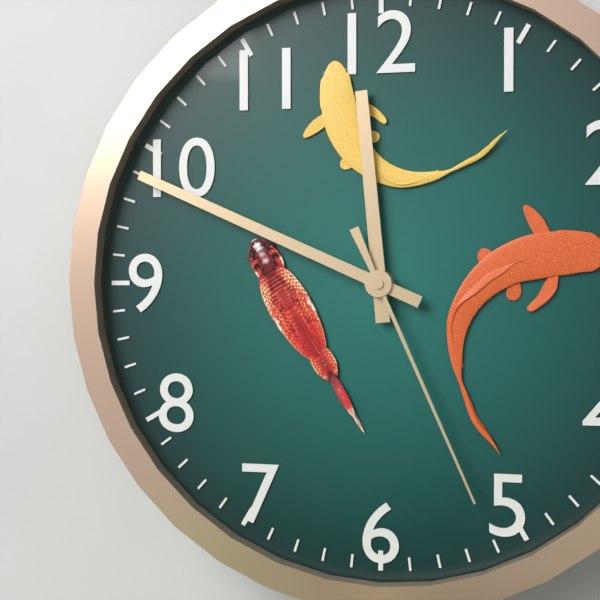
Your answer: 11,49,26
